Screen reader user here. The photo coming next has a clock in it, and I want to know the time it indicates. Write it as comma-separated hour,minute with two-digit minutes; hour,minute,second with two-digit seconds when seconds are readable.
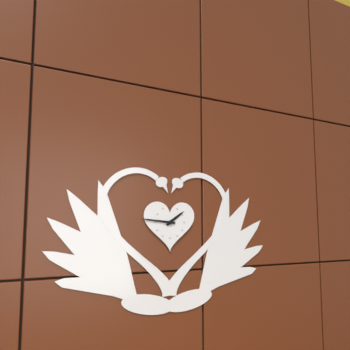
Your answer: 1,46
